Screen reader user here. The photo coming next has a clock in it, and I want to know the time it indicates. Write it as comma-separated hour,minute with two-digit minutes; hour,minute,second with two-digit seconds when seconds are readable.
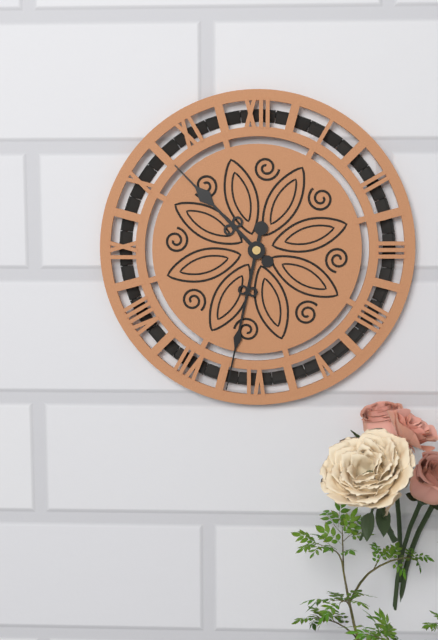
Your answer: 10,32
